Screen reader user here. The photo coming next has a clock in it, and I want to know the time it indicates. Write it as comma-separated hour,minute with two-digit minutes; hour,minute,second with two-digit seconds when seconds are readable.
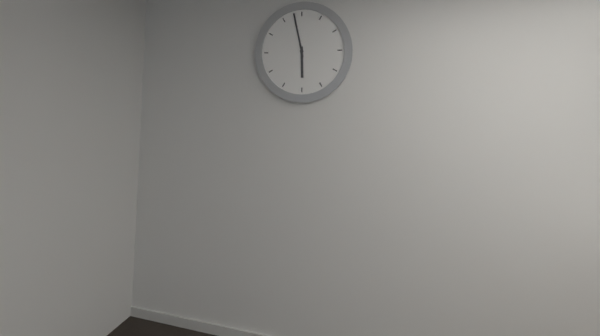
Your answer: 5,58
